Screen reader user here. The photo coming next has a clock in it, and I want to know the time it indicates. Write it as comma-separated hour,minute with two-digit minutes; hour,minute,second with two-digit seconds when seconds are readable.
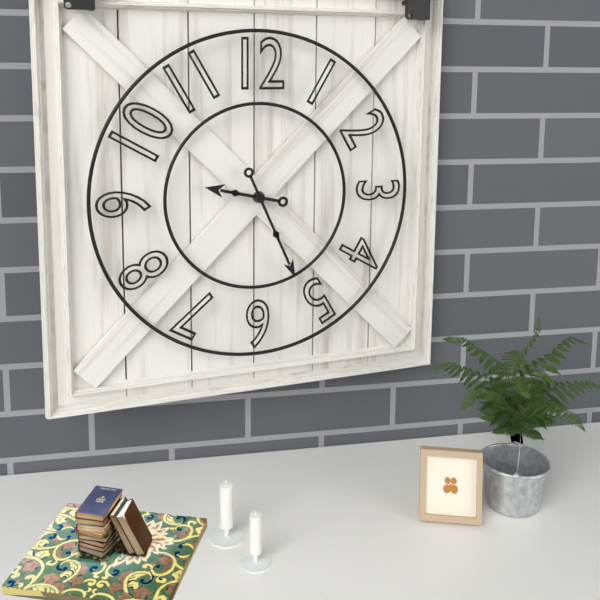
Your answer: 9,26
